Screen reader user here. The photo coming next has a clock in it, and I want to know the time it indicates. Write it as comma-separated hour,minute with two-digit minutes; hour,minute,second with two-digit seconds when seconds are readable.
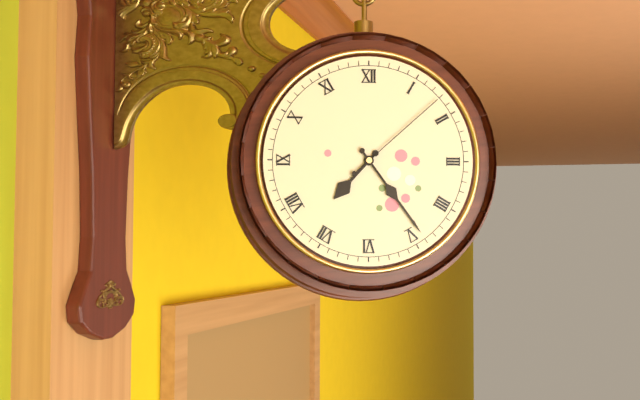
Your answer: 7,24,08
